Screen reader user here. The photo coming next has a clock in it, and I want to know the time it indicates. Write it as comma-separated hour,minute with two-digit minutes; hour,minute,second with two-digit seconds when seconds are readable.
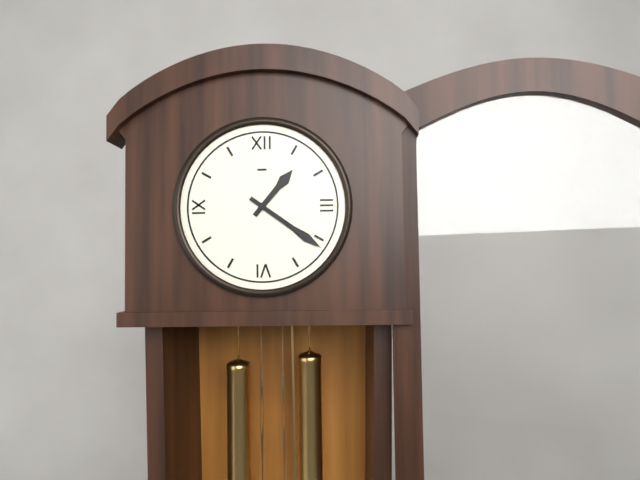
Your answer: 1,21
